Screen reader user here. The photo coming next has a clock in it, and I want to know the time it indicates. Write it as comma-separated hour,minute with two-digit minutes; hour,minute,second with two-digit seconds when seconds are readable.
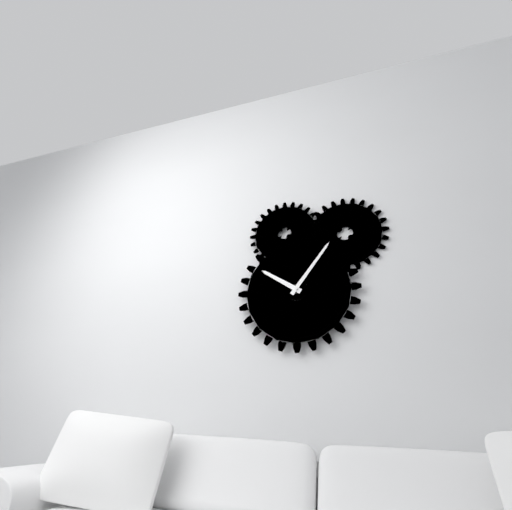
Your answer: 10,06
